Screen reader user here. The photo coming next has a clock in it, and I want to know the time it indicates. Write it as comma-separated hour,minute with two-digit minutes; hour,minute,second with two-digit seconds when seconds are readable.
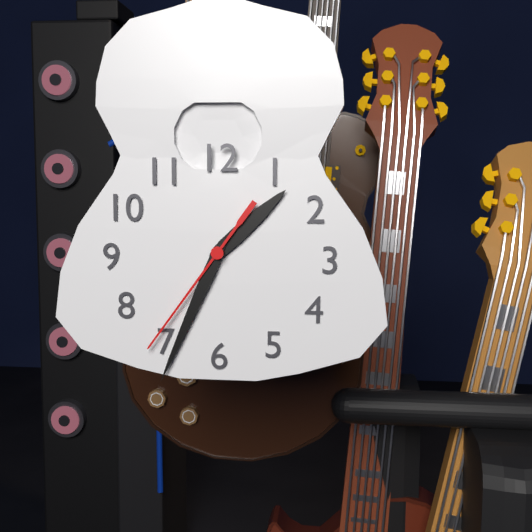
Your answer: 1,34,36
